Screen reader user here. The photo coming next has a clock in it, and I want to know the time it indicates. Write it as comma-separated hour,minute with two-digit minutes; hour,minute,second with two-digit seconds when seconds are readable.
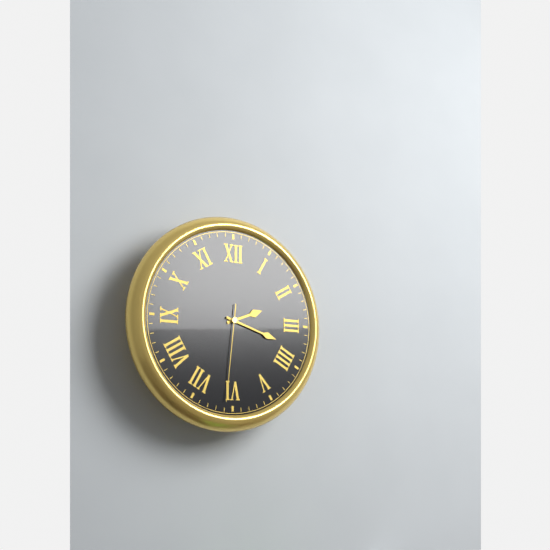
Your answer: 2,18,31
